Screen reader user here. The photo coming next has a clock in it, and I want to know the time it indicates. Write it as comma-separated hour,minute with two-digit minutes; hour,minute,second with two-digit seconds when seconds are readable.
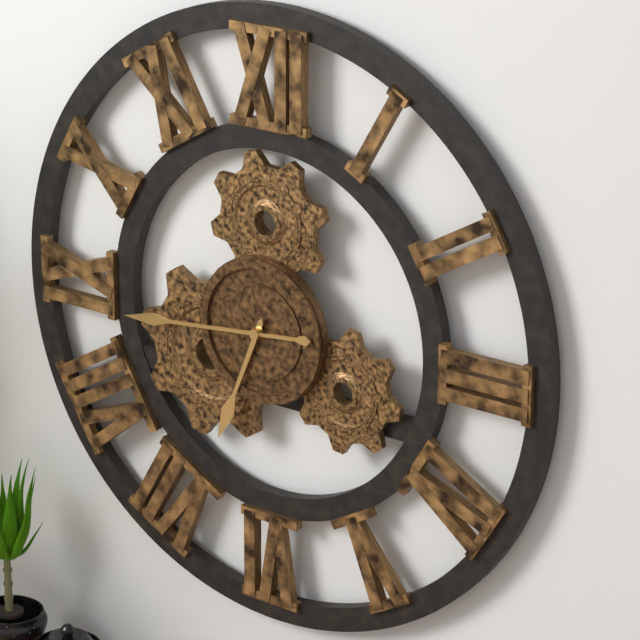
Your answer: 6,44
